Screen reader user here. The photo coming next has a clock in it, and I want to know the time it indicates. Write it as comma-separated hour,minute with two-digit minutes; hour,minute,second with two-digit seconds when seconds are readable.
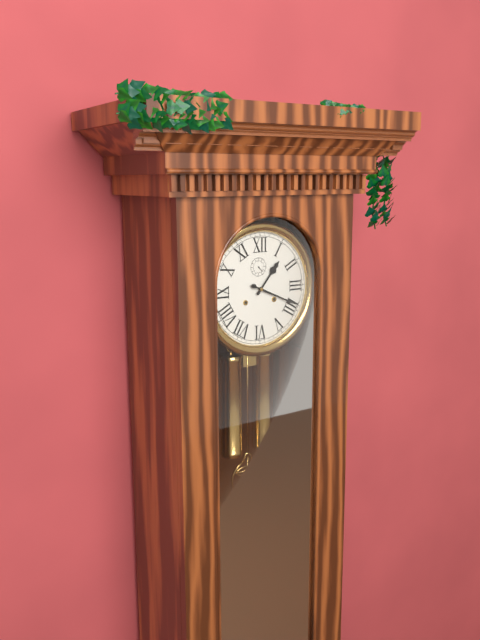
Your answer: 1,19
